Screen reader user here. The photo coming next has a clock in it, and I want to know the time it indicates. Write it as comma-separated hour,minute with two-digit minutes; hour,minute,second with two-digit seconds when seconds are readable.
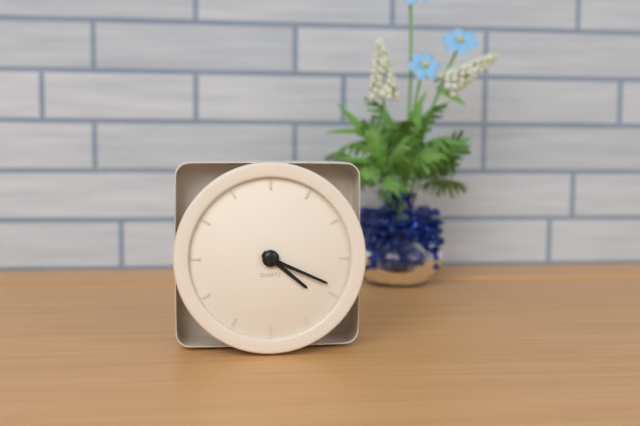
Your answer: 4,19
